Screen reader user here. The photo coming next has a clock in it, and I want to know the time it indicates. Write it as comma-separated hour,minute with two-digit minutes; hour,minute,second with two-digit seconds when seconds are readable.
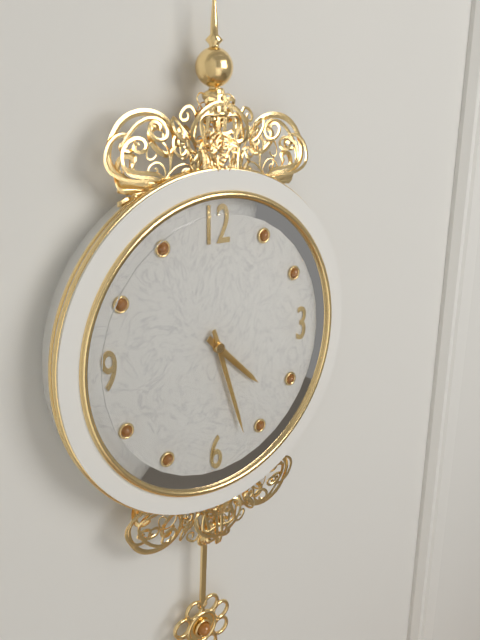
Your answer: 4,27
